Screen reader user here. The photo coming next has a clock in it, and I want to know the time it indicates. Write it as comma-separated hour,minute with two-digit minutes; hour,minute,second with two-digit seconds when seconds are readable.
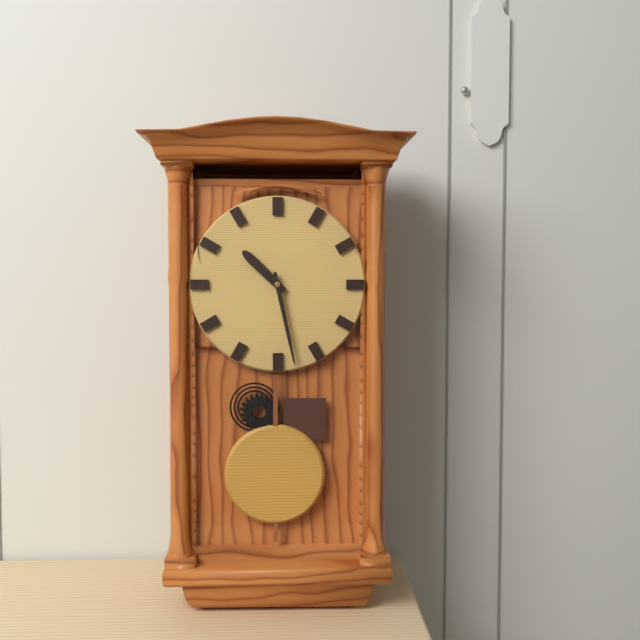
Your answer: 10,28
